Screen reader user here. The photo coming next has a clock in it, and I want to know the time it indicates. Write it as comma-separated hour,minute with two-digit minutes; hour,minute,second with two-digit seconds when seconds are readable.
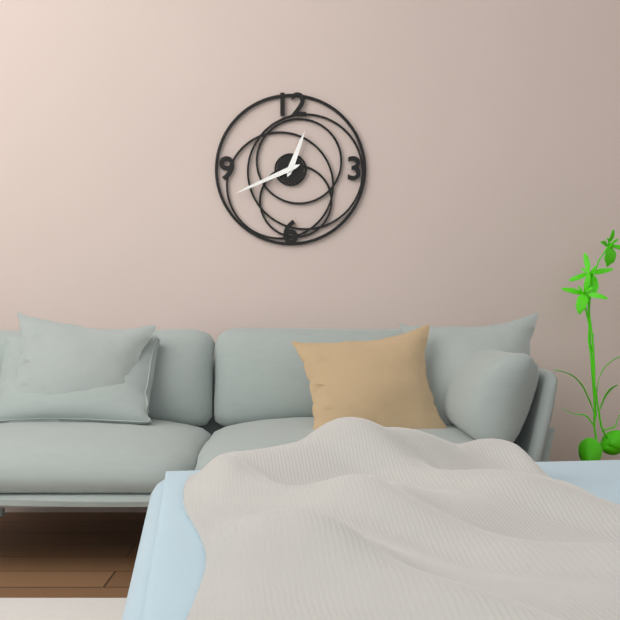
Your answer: 12,41
